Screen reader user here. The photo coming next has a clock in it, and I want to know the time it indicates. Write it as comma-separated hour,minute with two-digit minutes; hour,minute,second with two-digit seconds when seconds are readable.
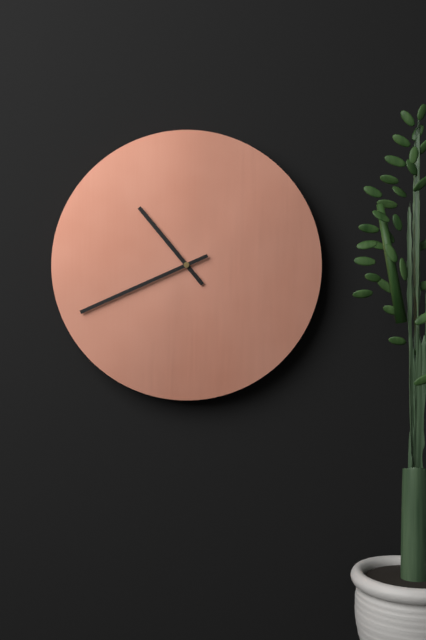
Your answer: 10,41
